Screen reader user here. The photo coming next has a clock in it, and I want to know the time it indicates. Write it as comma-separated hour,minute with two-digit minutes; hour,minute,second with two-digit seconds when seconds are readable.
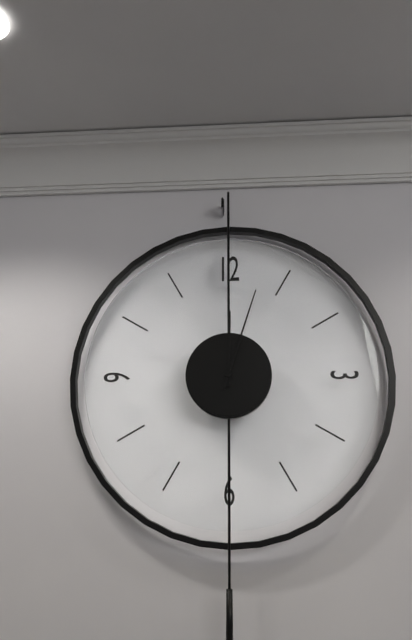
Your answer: 12,03
